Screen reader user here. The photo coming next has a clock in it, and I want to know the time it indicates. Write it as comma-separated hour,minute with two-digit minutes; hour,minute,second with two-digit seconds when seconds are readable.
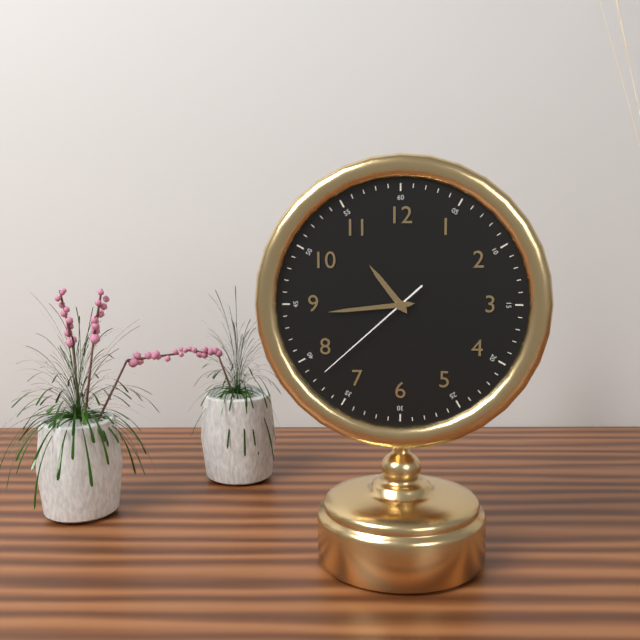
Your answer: 10,44,38
